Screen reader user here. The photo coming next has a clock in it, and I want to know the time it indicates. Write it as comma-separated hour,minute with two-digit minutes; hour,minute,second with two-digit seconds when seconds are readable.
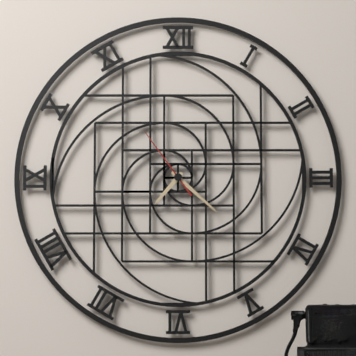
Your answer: 7,22,54
